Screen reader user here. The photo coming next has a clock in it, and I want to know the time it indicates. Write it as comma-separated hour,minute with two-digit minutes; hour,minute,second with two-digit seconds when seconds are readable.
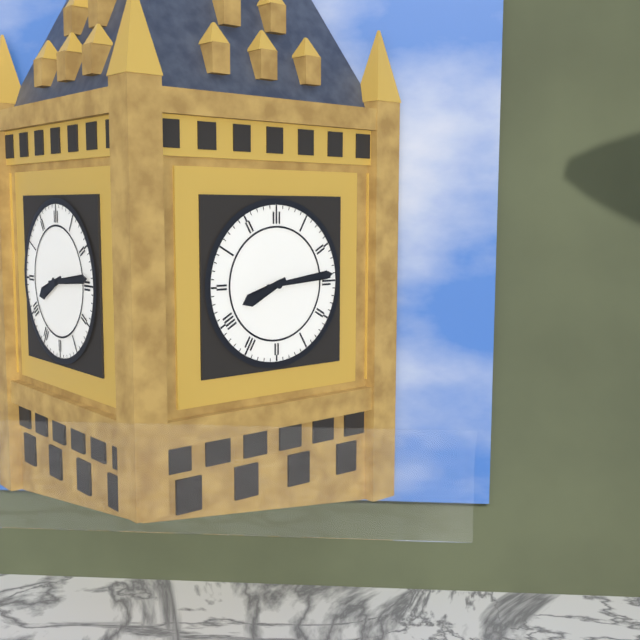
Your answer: 8,14
